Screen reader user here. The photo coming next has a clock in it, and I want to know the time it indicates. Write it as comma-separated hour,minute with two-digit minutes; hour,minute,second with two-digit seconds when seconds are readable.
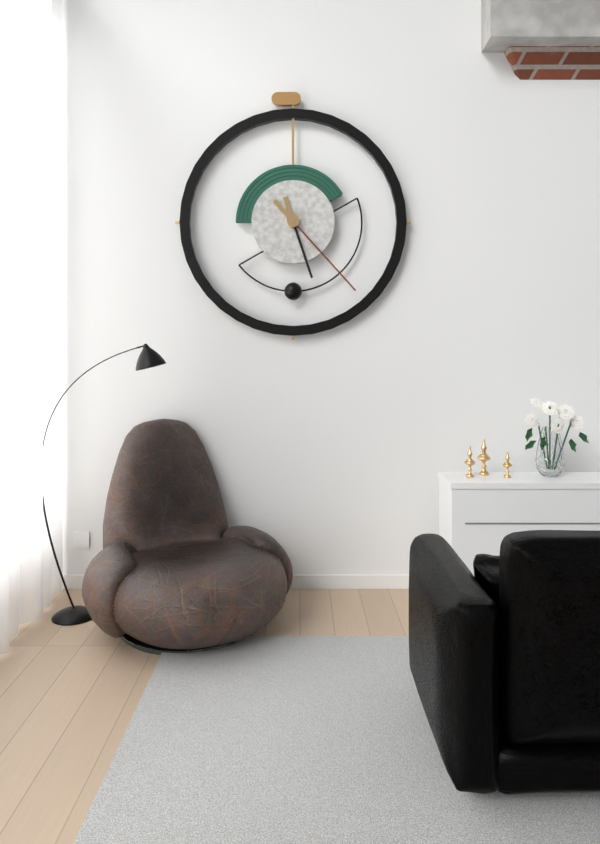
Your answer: 5,23
